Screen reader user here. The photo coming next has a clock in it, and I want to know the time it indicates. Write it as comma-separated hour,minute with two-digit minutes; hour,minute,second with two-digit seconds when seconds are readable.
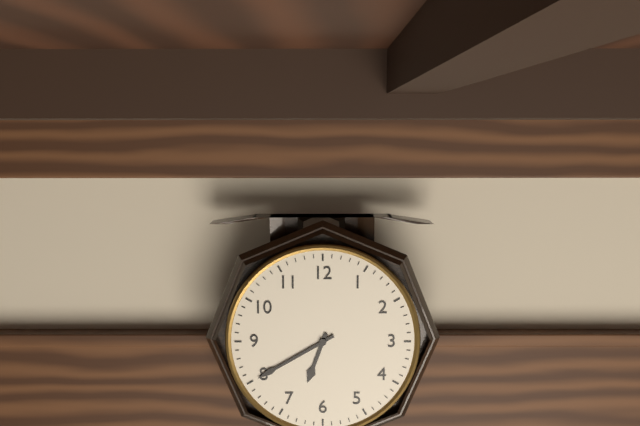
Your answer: 6,40
